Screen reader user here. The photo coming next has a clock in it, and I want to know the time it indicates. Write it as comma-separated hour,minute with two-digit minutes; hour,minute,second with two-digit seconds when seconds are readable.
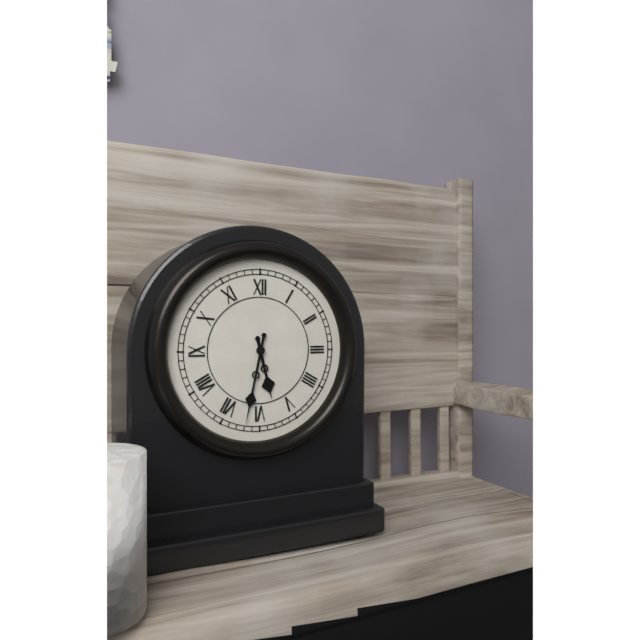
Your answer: 5,32
